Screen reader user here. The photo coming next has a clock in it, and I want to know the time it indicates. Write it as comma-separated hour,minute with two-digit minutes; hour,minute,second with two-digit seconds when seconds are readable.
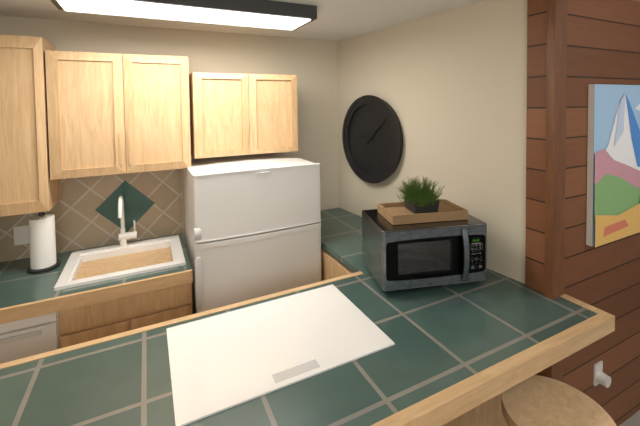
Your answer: 9,08
